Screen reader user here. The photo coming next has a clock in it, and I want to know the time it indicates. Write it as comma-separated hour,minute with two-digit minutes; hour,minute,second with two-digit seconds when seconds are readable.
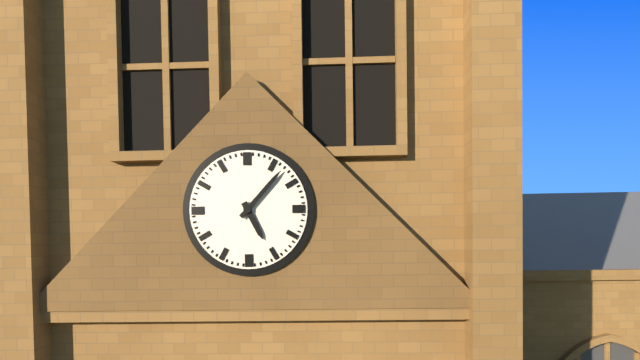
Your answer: 5,07
